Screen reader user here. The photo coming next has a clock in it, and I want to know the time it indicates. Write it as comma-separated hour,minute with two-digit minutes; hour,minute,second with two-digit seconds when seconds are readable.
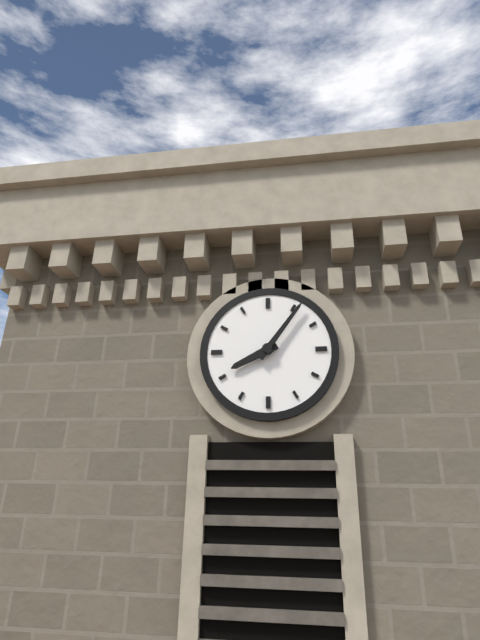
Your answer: 8,06
